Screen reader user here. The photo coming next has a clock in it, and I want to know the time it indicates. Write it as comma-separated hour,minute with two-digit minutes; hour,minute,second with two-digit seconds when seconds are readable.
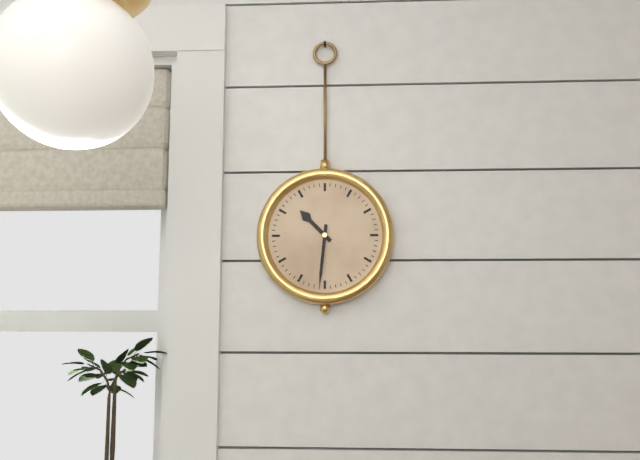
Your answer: 10,31
